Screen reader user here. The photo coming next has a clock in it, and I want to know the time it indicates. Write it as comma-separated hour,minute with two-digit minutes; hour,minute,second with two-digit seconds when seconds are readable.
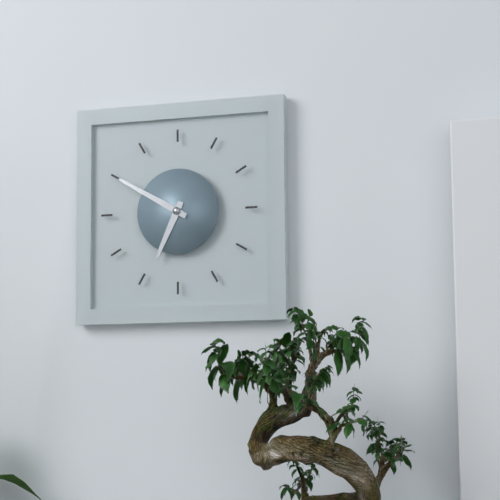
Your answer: 6,50
